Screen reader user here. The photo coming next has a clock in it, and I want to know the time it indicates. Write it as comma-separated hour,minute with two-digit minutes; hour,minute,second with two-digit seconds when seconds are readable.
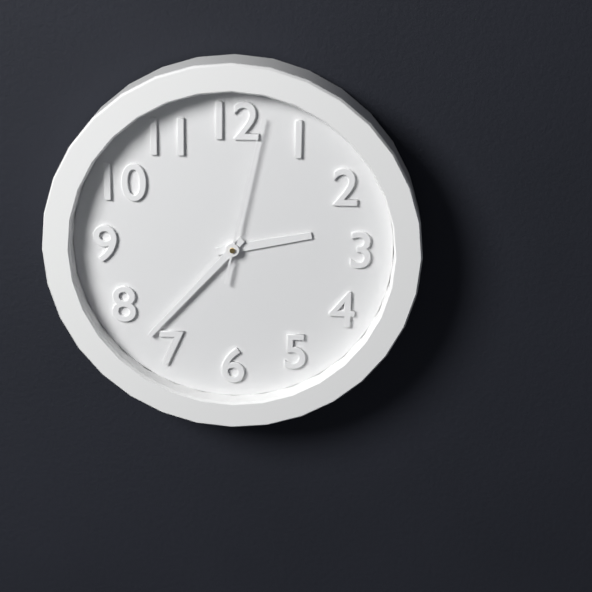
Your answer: 2,37,02
